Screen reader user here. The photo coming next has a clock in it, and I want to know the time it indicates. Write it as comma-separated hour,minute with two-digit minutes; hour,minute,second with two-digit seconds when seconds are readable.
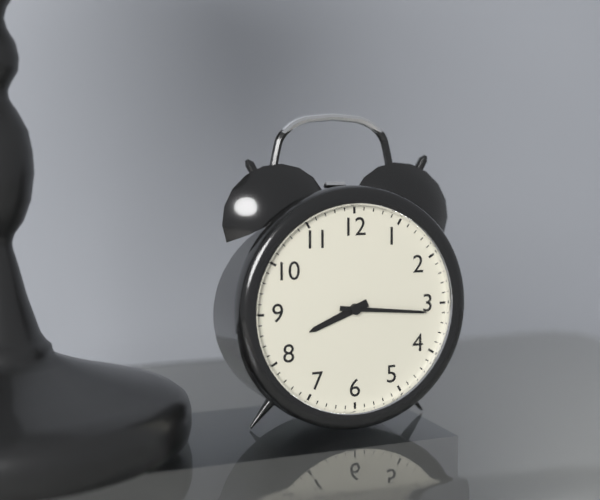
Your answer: 8,16
